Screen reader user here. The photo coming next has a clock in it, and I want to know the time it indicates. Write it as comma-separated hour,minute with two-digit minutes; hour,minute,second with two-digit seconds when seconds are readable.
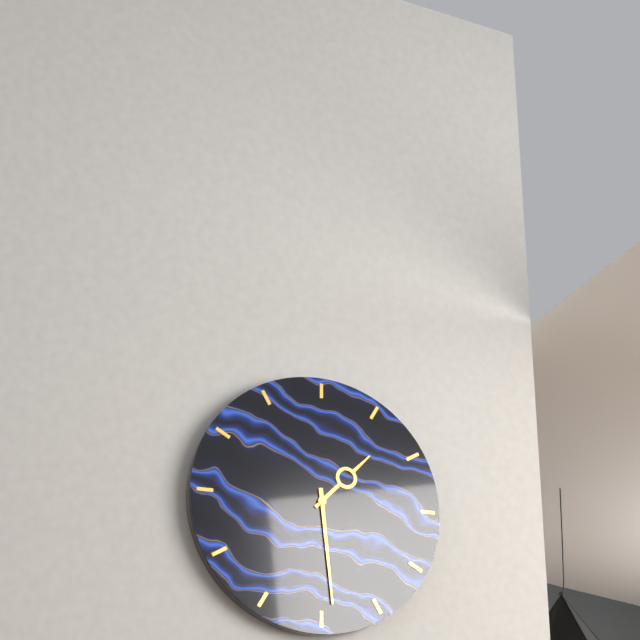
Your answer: 1,29
